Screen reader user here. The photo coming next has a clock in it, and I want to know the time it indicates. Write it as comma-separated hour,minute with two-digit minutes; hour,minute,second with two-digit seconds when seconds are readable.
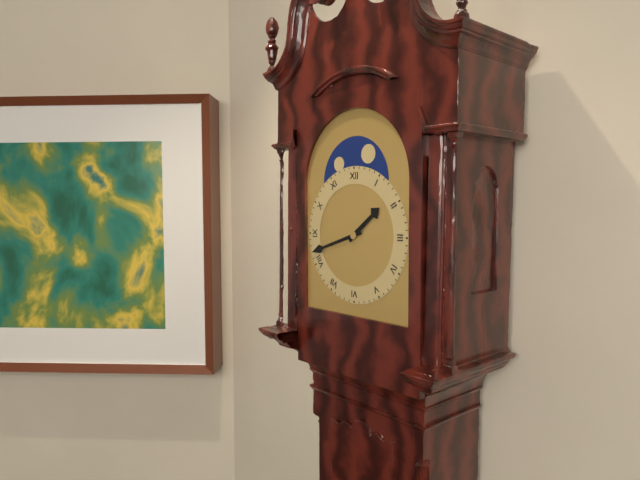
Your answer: 1,42
